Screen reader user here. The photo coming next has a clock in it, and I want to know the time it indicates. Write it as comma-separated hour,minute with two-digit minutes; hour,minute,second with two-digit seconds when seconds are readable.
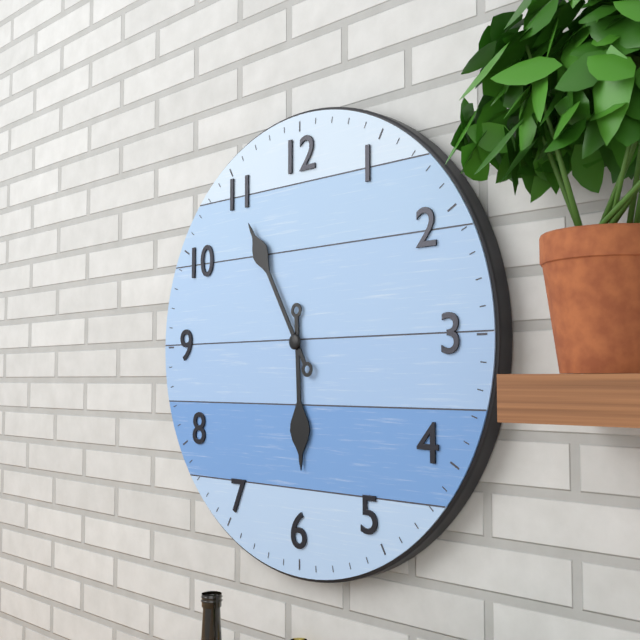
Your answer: 5,55
